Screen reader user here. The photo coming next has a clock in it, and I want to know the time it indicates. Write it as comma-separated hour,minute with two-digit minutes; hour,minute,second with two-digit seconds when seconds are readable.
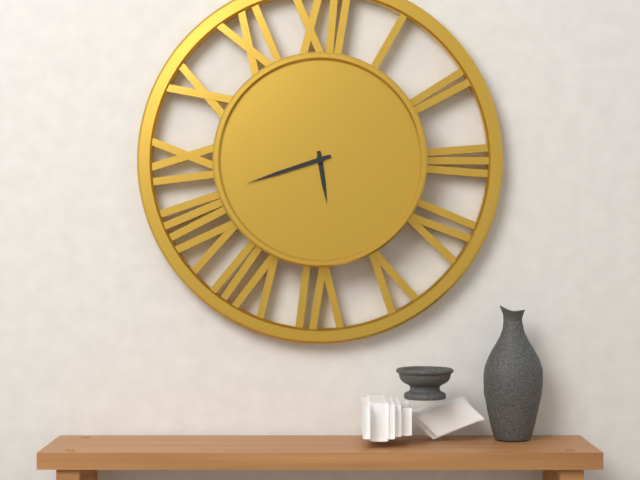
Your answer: 5,42
